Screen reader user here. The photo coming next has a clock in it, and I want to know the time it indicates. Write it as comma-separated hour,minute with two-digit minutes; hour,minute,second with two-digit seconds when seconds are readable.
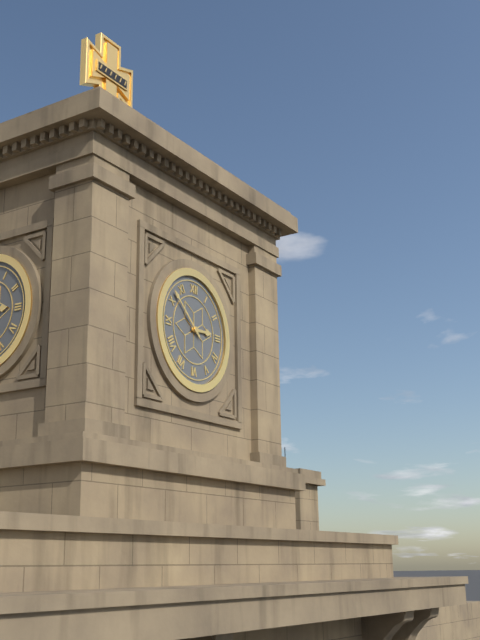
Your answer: 2,52
